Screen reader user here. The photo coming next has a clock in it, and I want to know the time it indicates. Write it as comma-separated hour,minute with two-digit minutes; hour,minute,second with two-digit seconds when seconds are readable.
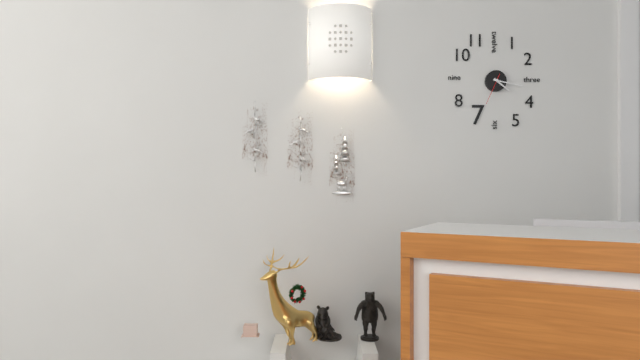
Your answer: 4,17
